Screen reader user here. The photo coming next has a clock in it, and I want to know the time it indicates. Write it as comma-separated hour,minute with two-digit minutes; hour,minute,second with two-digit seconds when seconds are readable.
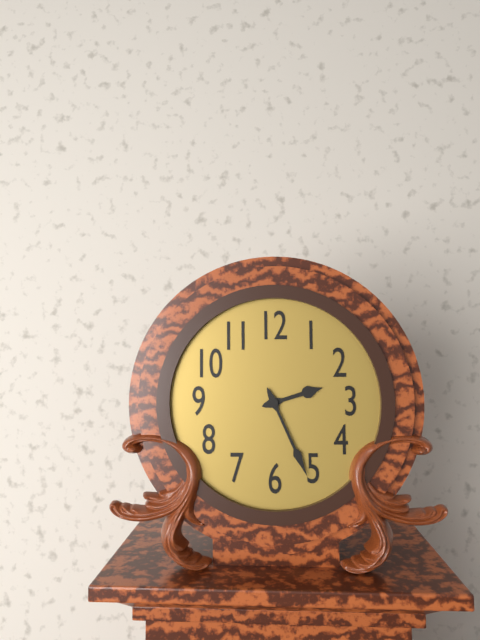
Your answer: 2,26
